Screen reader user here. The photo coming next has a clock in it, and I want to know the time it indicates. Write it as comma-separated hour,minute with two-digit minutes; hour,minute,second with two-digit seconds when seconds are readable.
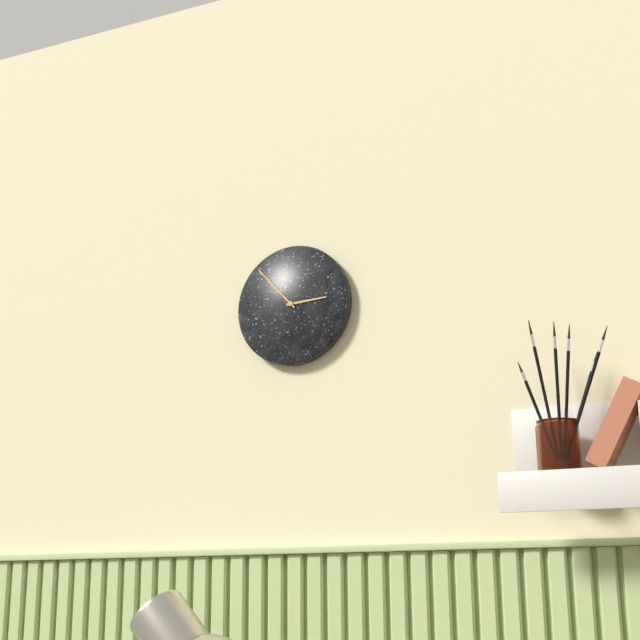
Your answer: 2,53
